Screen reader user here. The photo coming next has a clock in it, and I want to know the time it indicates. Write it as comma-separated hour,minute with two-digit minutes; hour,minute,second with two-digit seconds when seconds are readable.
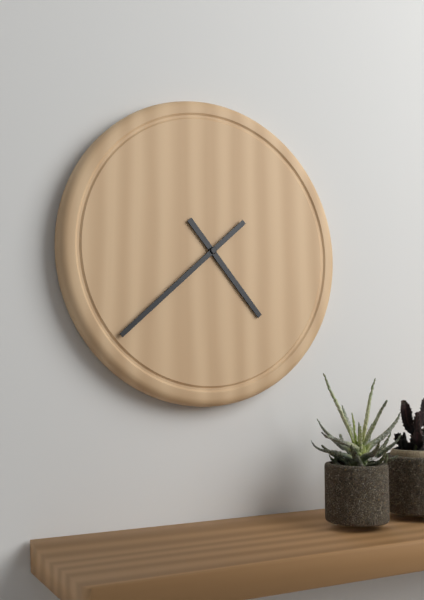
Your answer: 4,38
